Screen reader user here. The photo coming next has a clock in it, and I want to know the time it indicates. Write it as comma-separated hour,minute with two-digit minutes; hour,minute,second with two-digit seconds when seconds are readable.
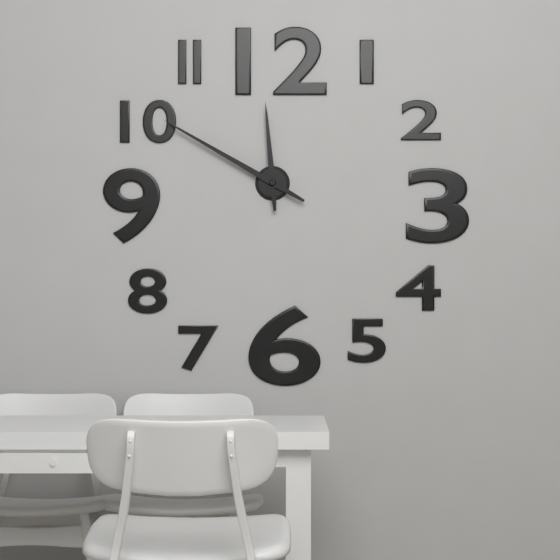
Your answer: 11,50
